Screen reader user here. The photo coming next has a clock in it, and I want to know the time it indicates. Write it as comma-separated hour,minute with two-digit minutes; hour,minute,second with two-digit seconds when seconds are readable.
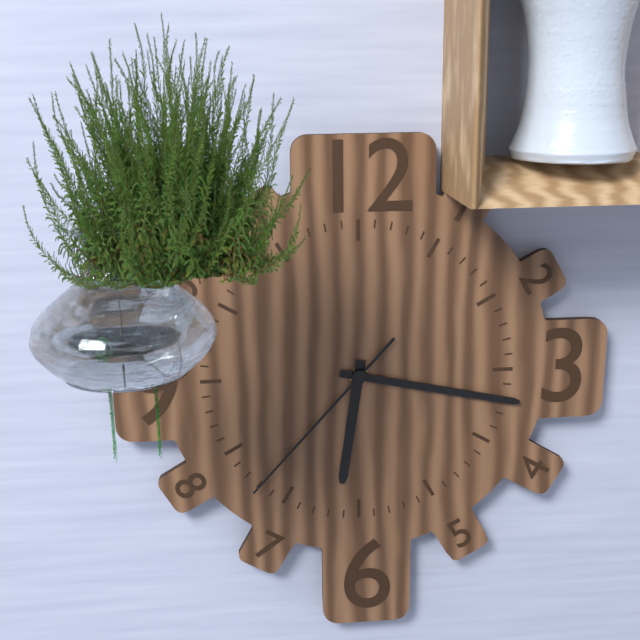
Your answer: 6,17,37
